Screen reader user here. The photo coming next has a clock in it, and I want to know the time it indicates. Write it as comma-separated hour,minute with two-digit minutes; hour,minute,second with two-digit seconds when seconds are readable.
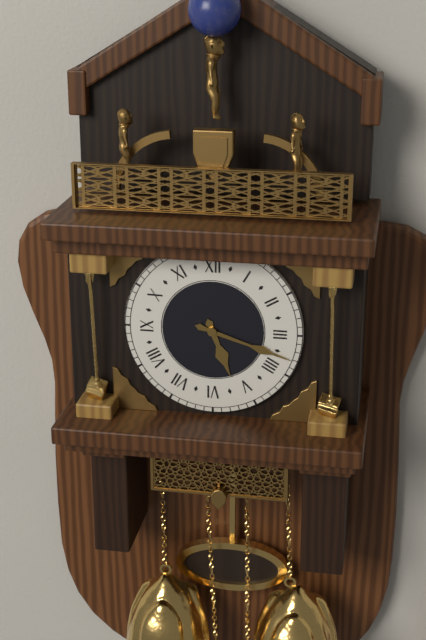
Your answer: 5,18
